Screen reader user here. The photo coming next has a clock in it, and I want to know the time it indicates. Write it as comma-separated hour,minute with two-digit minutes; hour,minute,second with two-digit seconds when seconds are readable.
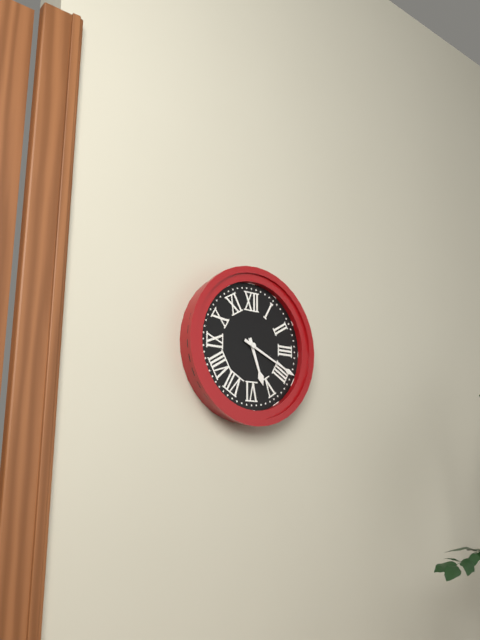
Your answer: 5,19
